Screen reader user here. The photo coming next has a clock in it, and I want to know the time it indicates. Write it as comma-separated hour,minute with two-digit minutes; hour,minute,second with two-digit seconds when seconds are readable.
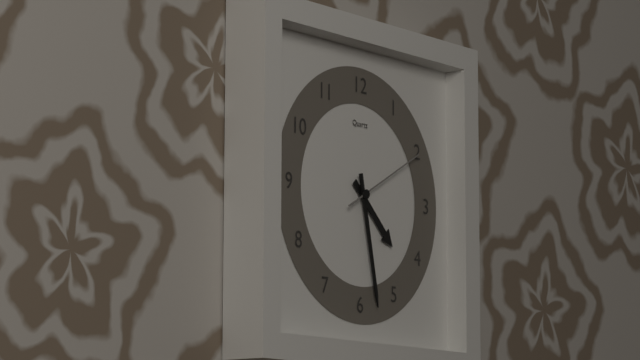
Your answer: 4,28,10
